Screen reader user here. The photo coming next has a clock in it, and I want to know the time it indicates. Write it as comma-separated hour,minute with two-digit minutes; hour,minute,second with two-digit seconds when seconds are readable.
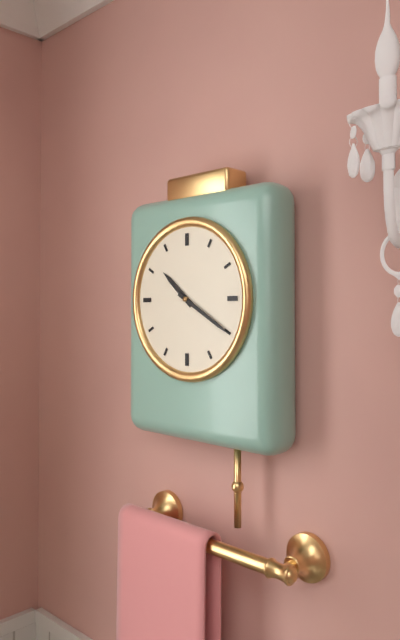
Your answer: 10,20
